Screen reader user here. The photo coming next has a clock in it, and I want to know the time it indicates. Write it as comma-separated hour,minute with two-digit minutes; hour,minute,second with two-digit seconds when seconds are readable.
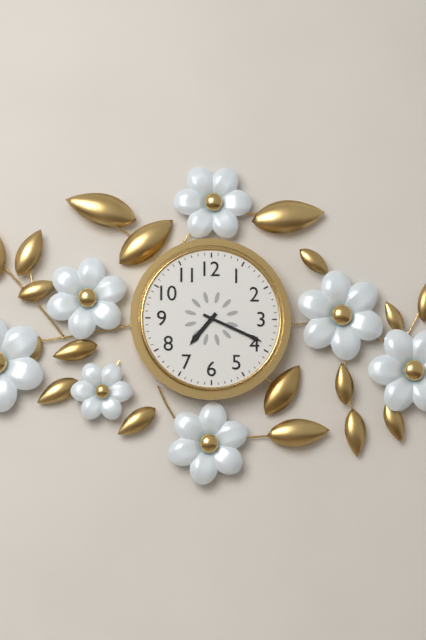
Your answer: 7,19
